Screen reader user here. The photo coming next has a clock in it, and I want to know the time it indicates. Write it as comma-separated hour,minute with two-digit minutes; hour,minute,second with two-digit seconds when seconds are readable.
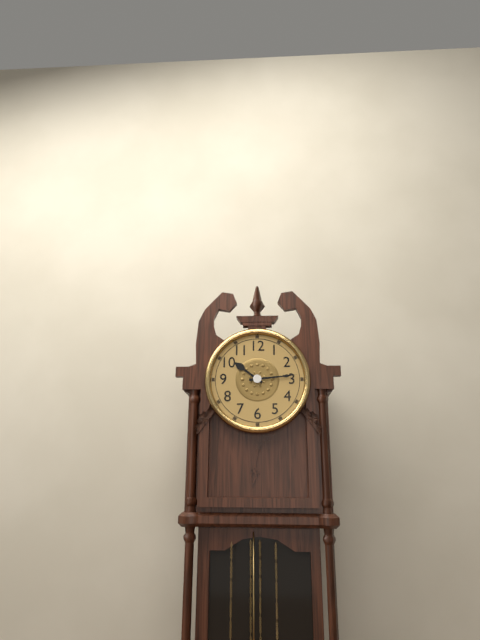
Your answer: 10,14
